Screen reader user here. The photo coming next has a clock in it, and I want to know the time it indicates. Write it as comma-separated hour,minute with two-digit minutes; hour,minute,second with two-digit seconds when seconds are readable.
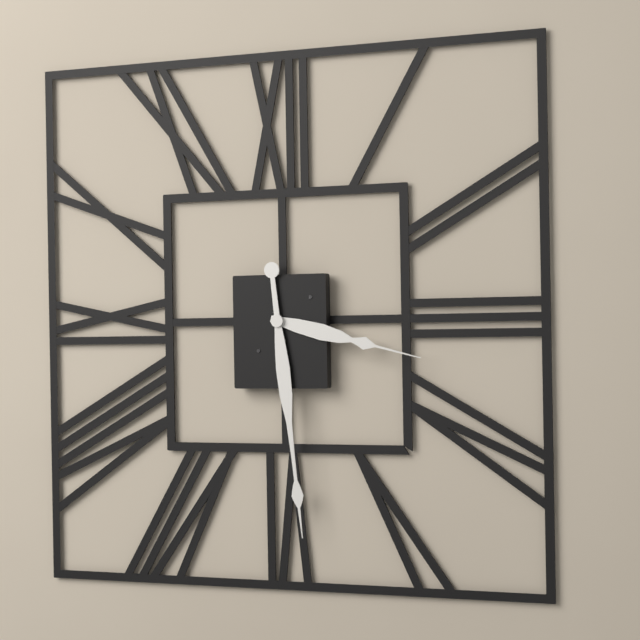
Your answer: 3,29
